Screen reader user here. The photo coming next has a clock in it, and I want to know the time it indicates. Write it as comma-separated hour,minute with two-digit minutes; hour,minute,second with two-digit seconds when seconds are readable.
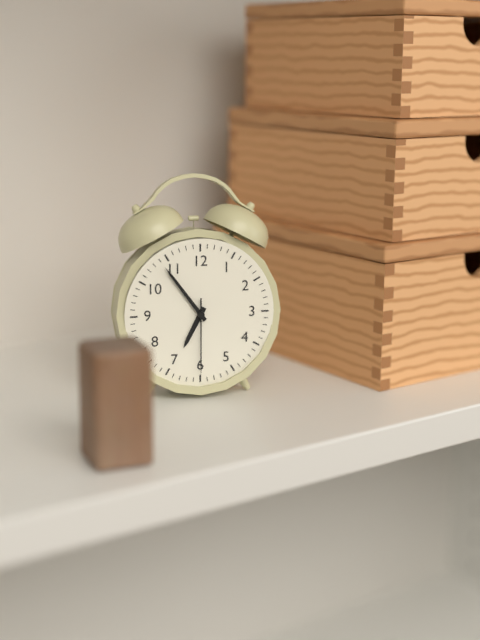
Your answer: 6,54,30
